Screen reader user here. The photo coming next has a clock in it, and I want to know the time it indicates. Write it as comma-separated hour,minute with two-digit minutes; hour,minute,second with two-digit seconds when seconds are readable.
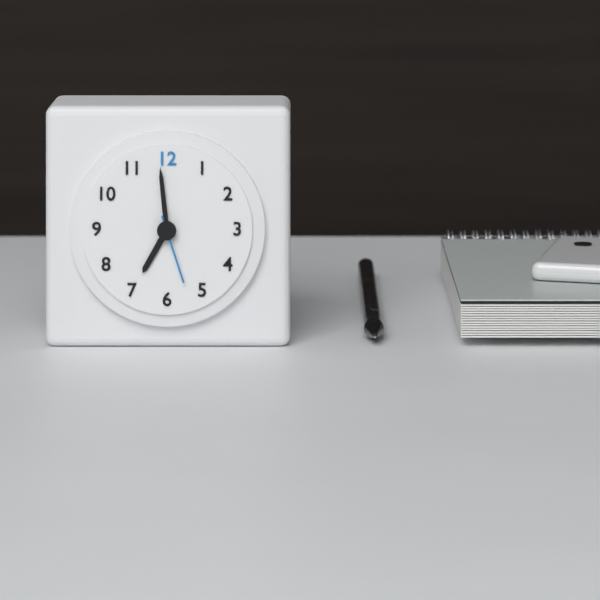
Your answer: 6,59,27
